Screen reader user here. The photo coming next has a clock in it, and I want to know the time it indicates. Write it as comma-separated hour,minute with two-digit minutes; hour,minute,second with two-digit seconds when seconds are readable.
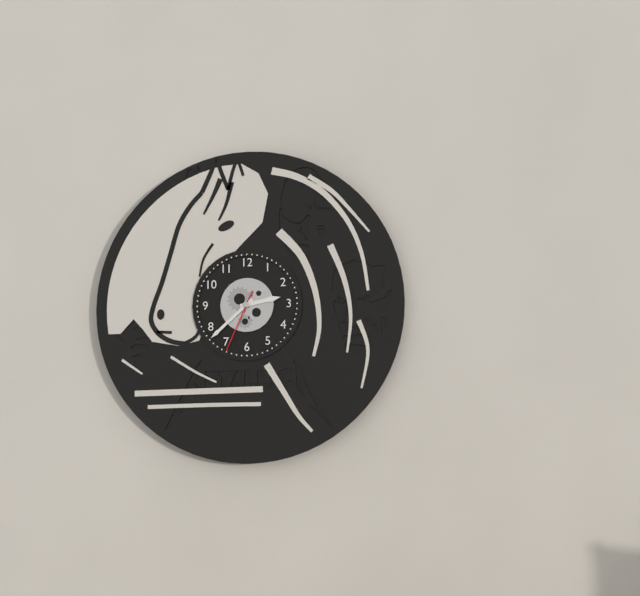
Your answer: 2,38,34
